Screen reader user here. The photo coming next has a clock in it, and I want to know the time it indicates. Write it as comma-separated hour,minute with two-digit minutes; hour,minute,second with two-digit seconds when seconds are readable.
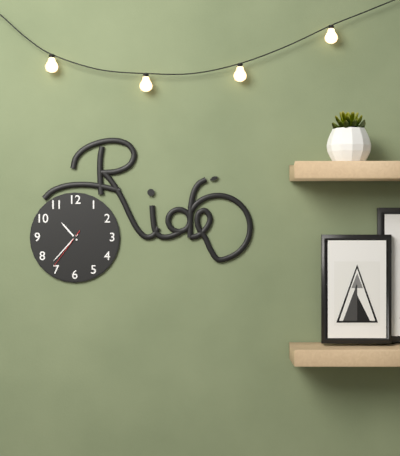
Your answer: 10,37
